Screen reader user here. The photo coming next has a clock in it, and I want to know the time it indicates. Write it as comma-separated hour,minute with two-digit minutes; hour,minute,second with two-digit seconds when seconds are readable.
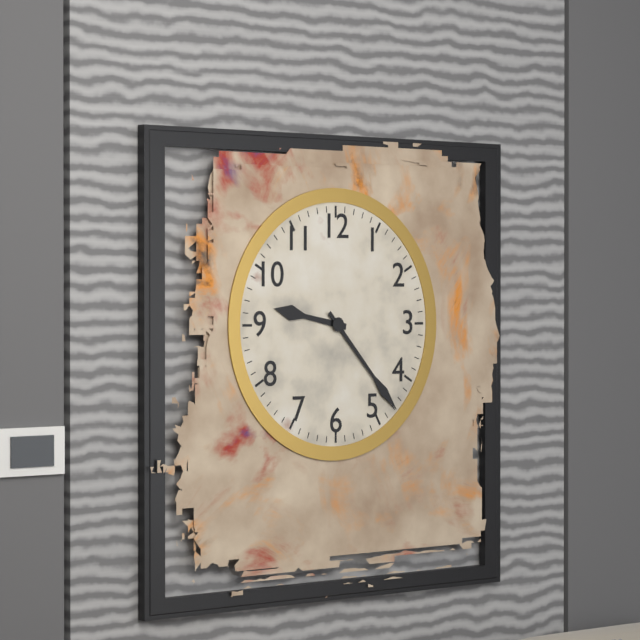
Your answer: 9,23
